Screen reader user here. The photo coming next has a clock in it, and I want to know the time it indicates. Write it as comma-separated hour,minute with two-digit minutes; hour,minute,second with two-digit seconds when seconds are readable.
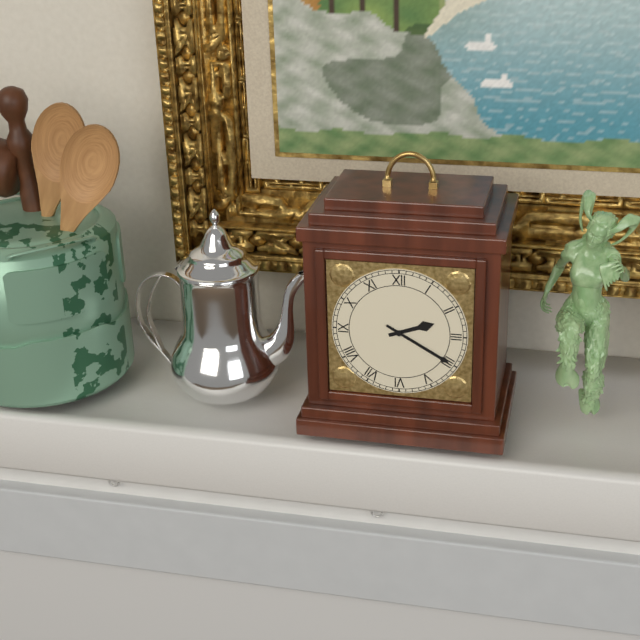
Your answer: 2,20
